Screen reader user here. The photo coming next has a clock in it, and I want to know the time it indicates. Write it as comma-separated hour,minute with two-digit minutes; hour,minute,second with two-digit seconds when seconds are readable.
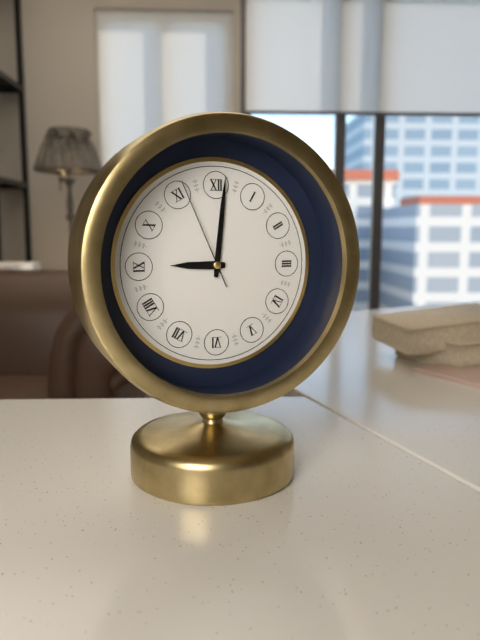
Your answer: 9,01,56
